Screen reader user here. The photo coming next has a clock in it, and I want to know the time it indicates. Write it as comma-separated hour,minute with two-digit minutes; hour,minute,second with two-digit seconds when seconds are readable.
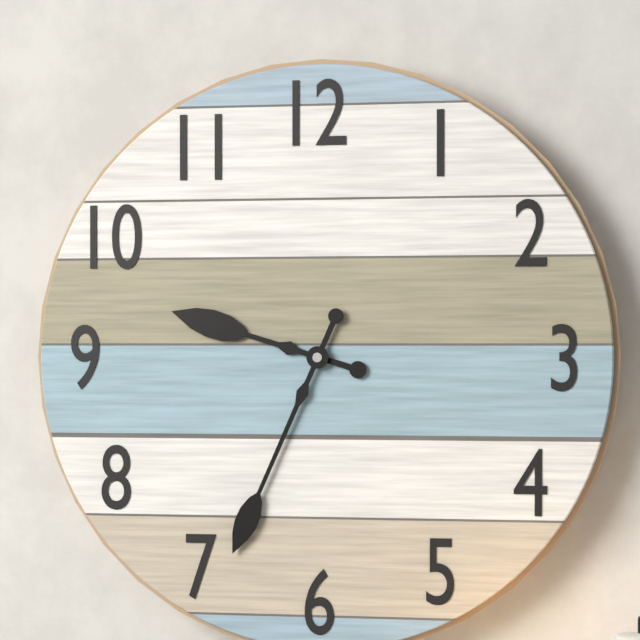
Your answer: 9,34
